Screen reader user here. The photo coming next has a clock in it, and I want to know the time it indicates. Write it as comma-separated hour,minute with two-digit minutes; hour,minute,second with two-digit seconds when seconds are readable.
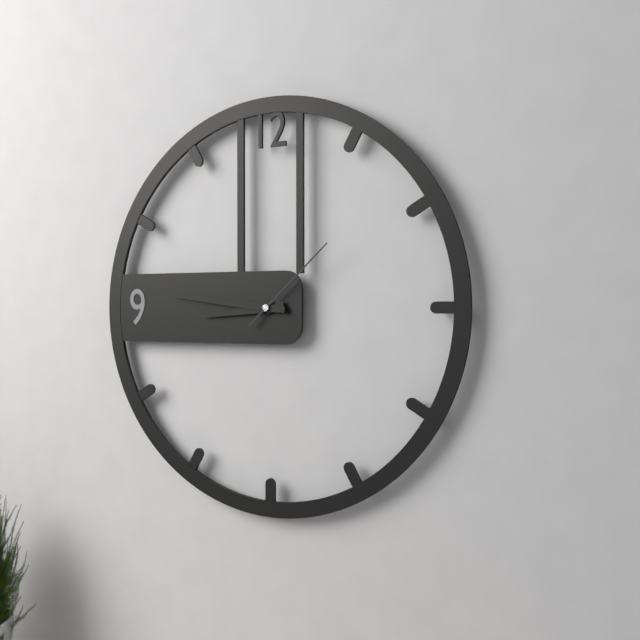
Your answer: 8,46,08
